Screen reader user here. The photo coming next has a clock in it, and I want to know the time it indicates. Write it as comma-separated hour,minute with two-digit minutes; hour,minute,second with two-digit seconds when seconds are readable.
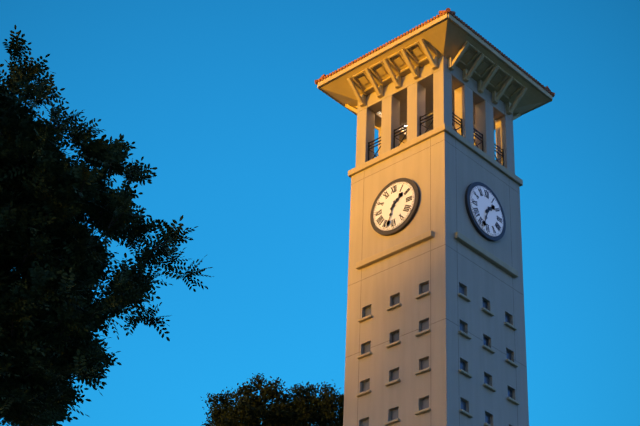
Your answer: 1,33
